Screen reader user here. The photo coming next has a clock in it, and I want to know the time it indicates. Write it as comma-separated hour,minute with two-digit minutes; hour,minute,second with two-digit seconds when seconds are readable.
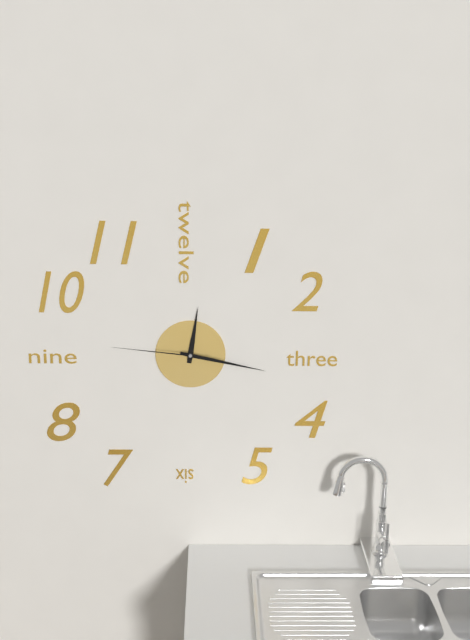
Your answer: 12,17,46
